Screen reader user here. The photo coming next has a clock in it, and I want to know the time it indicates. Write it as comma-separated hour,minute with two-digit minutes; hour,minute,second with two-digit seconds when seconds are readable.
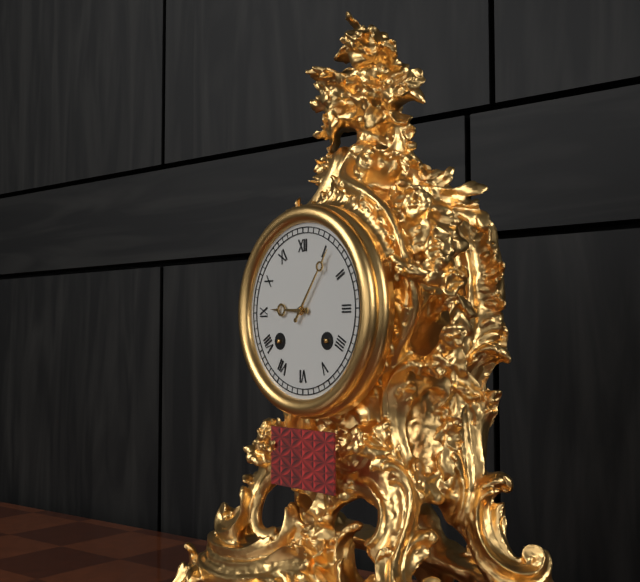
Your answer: 9,06
